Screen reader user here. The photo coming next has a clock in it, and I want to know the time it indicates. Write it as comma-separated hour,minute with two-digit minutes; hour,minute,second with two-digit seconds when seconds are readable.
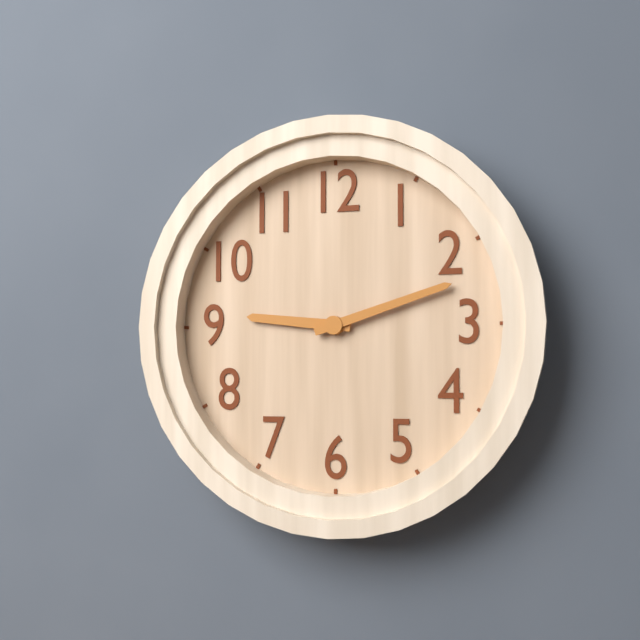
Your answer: 9,12
